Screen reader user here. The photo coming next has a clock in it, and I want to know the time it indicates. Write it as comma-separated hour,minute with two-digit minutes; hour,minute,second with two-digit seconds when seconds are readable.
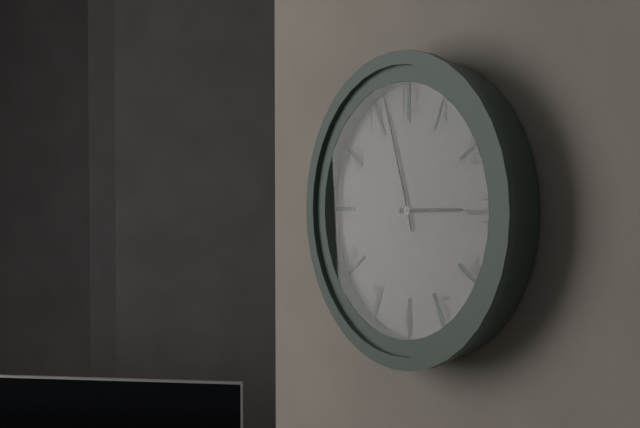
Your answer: 2,57
